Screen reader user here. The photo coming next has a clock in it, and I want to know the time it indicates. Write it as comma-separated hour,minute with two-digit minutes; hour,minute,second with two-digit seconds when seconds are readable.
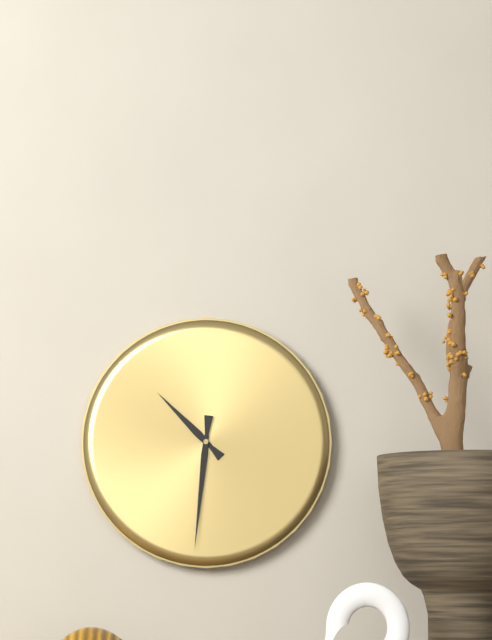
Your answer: 10,31
